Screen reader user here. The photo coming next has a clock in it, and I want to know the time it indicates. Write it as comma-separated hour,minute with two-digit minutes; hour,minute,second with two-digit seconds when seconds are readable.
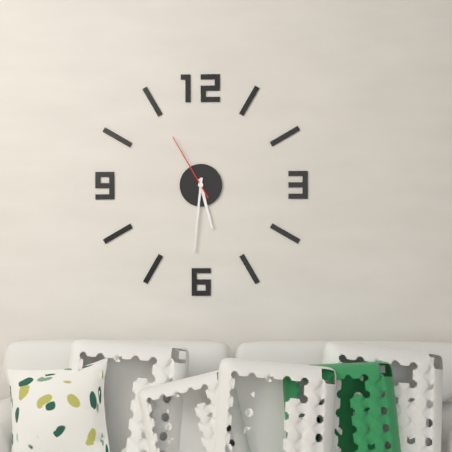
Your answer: 5,31,55
